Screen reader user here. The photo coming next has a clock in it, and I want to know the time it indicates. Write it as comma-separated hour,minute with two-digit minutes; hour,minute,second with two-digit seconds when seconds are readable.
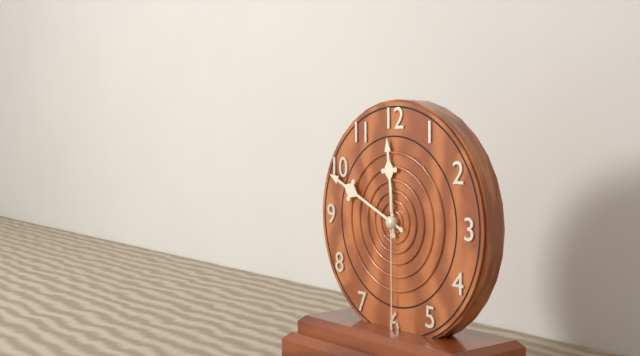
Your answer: 11,49,30
